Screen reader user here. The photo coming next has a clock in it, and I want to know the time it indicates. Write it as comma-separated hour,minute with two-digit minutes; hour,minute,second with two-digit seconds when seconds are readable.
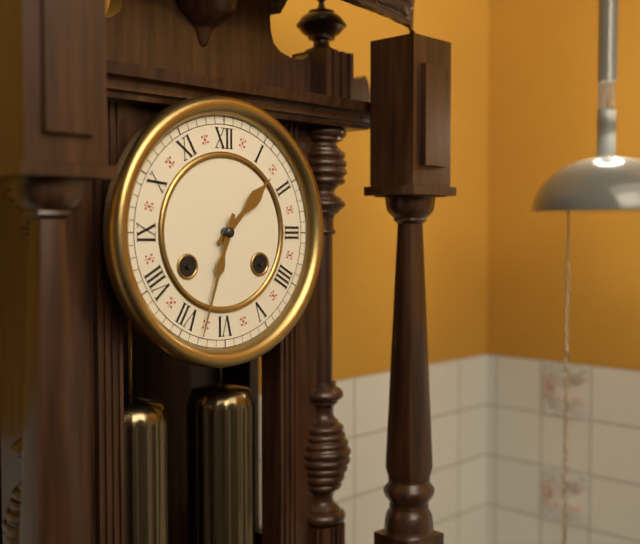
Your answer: 1,33
